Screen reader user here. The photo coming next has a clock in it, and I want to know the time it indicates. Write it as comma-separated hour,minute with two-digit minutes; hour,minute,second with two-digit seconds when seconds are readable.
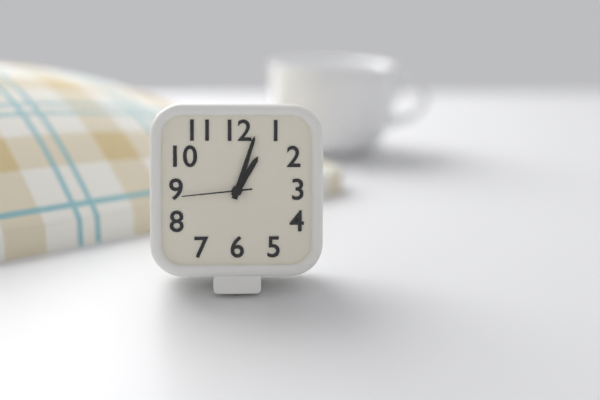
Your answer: 1,03,44
